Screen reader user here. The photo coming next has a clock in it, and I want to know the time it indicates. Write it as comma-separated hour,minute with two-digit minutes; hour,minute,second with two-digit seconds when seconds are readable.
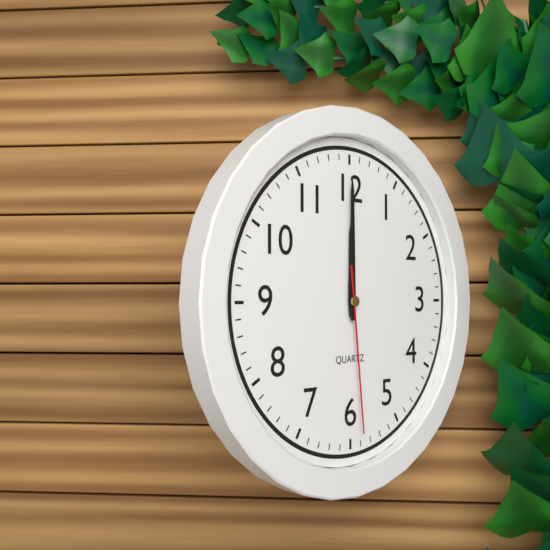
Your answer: 12,00,29
